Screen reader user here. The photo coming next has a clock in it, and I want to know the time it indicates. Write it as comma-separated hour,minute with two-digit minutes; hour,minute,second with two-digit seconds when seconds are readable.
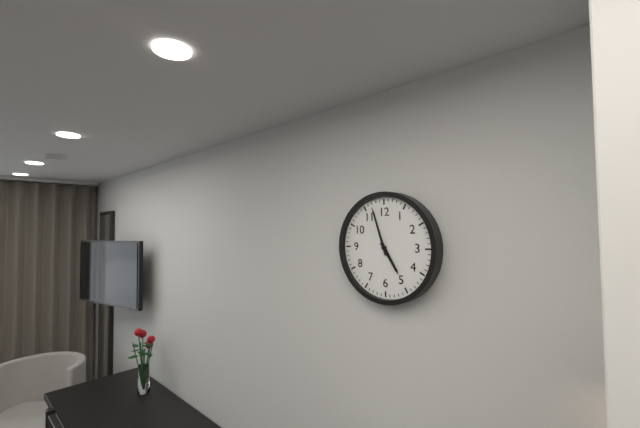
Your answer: 4,57
